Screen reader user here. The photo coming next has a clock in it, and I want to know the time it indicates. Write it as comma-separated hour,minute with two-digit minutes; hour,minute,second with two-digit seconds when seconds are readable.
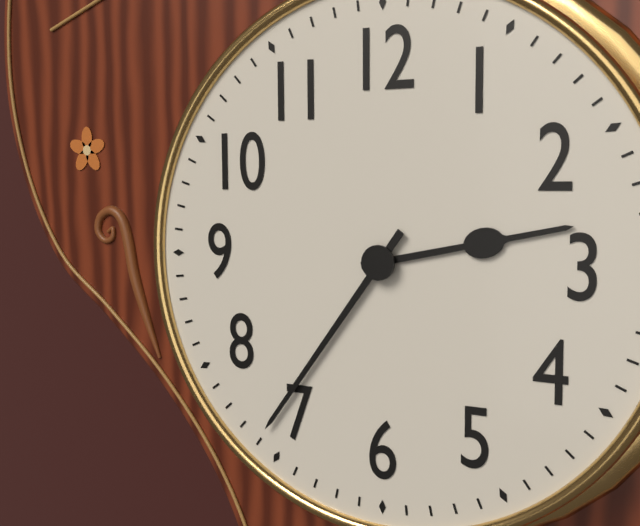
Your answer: 2,36
